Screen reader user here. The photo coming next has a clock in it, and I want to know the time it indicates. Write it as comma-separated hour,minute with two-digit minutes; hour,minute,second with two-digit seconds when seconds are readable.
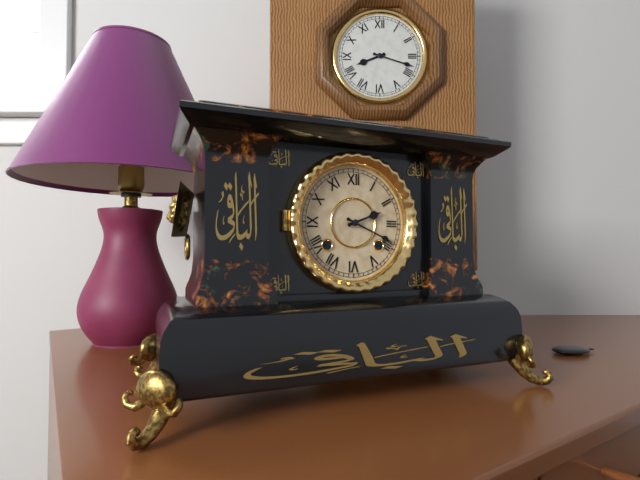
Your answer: 2,19
